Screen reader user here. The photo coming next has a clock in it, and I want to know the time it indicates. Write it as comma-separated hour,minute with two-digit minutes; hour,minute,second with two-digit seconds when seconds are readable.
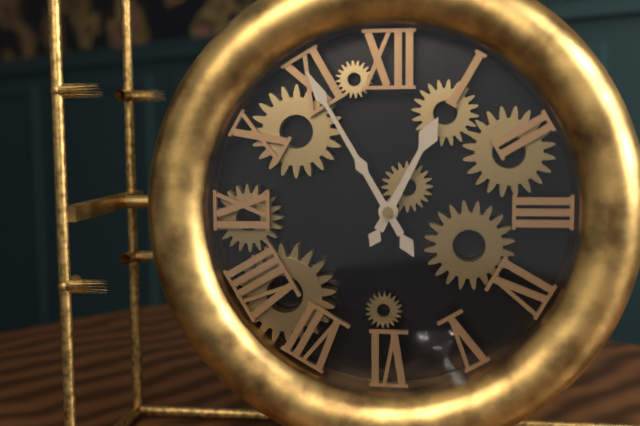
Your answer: 12,55
